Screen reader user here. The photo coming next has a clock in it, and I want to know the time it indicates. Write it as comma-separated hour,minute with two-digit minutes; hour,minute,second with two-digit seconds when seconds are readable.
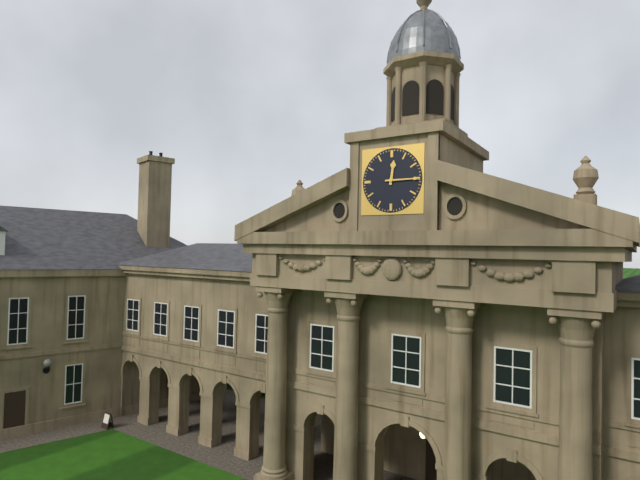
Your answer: 12,15
